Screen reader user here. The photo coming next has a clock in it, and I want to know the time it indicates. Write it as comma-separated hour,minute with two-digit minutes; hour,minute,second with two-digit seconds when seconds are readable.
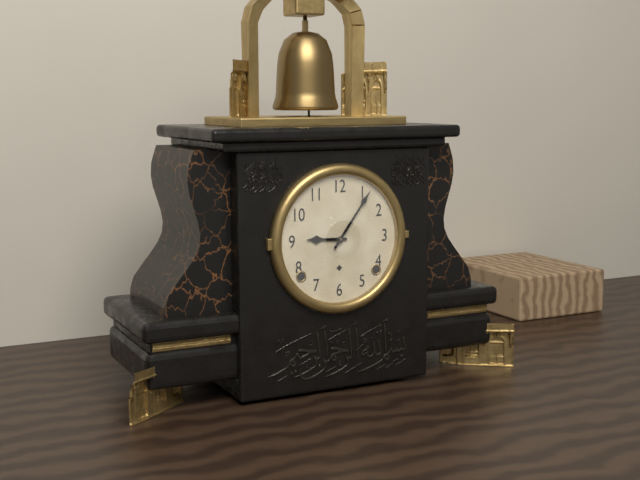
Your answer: 9,06
